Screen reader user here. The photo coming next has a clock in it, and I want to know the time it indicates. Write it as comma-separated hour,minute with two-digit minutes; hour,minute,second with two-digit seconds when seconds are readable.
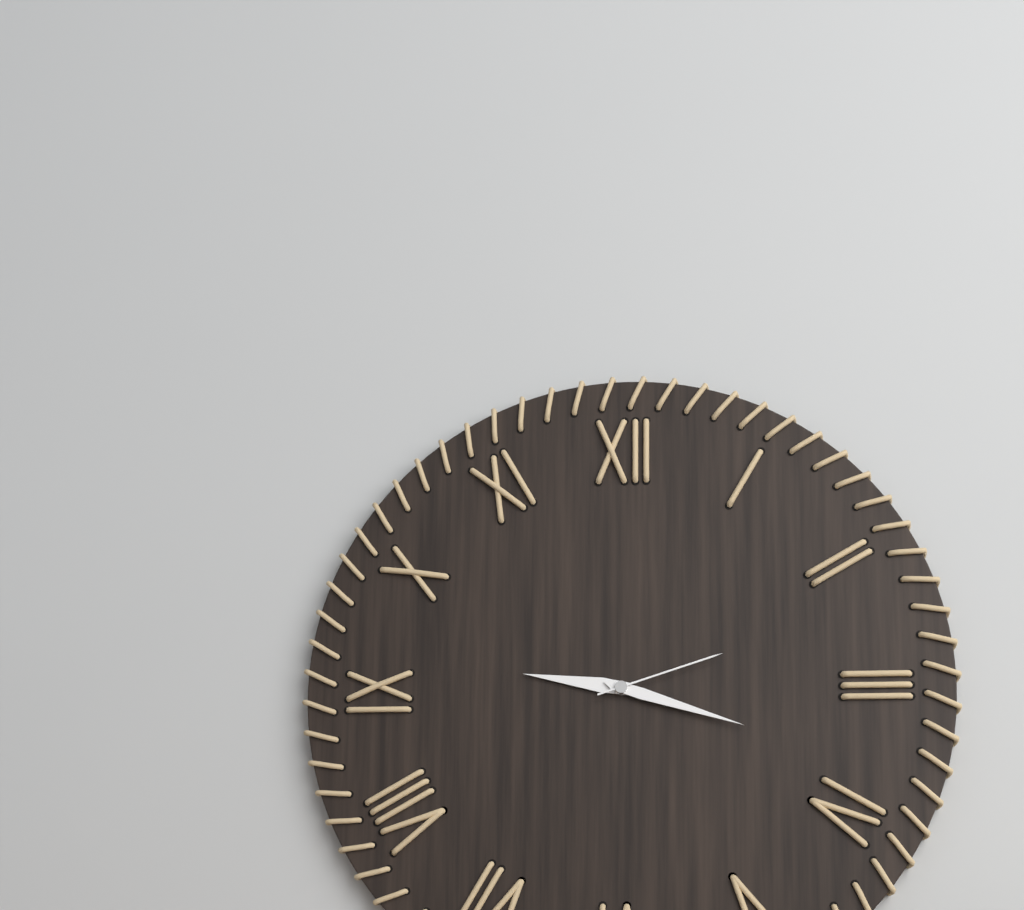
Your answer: 9,18,12
